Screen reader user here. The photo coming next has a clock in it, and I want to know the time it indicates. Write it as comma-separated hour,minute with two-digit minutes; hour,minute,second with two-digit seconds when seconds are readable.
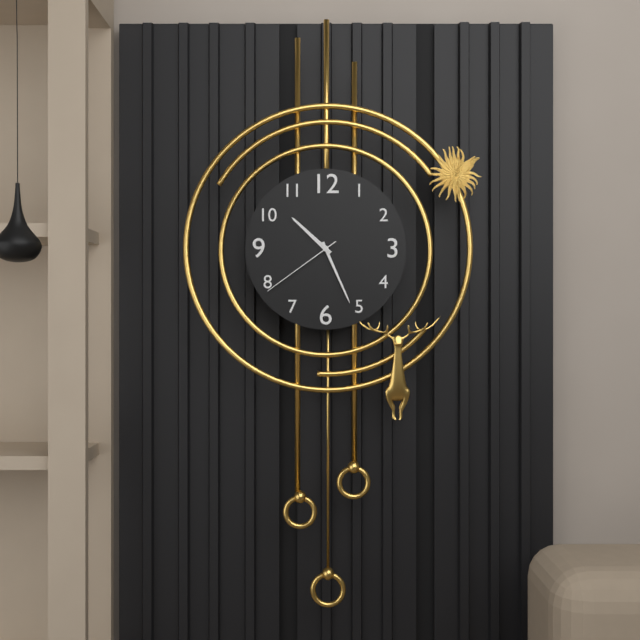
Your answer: 10,26,39
